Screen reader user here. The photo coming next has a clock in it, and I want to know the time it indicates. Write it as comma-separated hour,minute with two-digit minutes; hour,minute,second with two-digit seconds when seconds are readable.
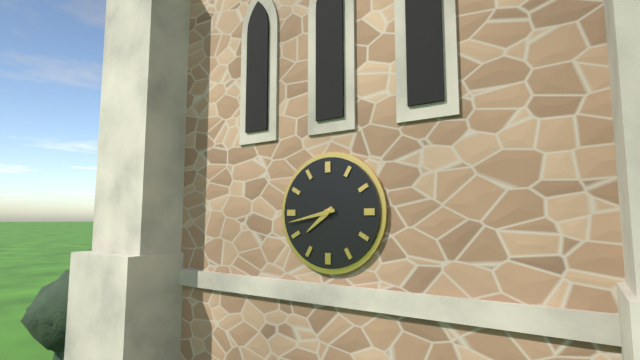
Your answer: 7,43
